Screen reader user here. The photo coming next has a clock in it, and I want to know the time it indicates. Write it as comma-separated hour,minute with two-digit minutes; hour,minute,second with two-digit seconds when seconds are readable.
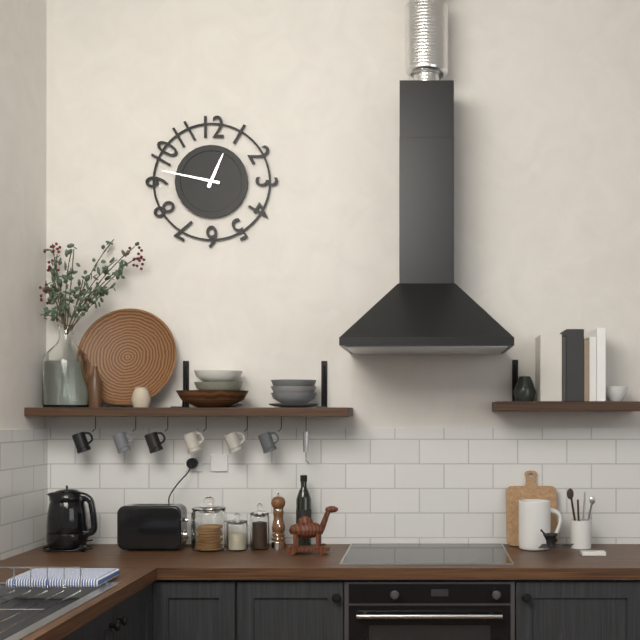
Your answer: 12,47
